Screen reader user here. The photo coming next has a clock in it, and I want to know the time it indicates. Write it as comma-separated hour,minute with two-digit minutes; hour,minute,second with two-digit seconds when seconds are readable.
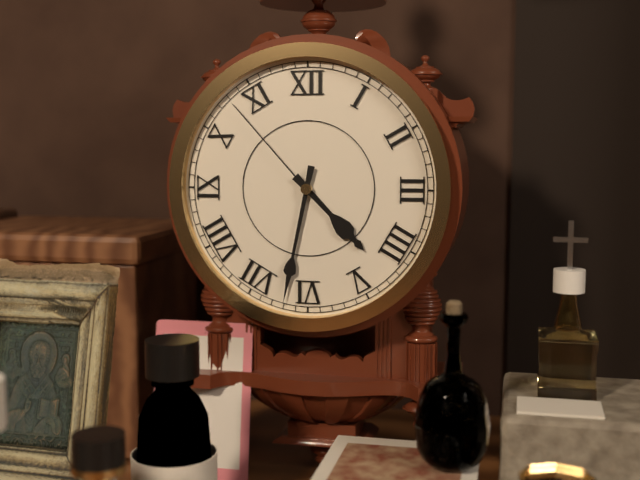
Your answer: 4,32,53
